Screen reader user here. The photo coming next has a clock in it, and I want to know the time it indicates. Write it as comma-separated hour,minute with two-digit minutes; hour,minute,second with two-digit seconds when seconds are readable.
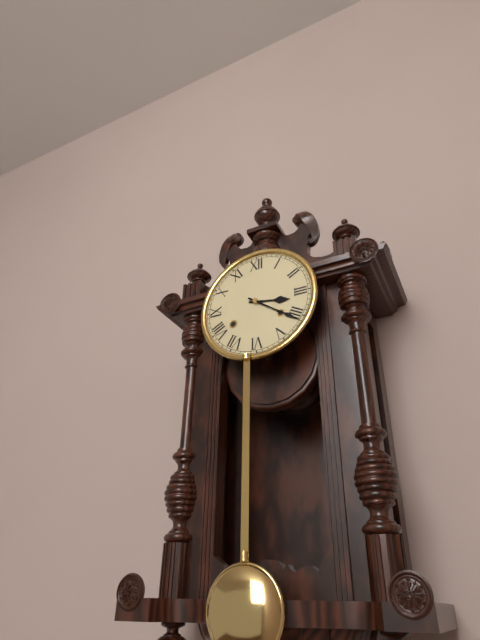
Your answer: 3,21
